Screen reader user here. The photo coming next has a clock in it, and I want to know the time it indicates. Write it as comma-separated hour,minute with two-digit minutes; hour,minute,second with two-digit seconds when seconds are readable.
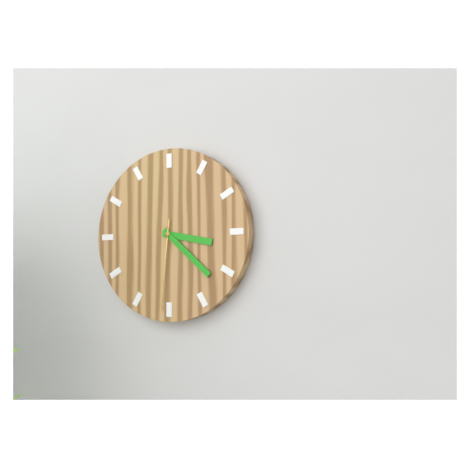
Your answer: 3,22,31
